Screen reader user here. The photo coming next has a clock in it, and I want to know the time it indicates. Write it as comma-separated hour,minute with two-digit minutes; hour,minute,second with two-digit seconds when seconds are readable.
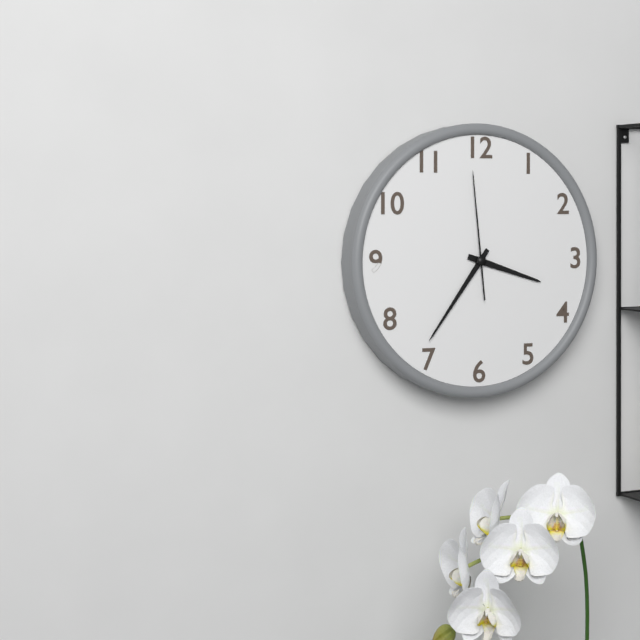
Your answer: 3,36,59
